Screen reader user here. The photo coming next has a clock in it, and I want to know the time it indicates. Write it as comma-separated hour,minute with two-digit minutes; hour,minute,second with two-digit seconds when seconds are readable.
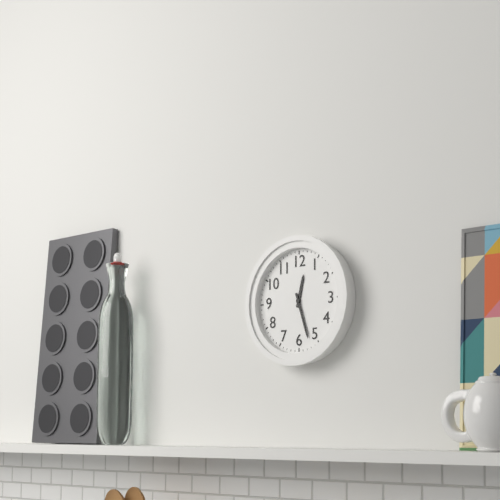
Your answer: 12,27
